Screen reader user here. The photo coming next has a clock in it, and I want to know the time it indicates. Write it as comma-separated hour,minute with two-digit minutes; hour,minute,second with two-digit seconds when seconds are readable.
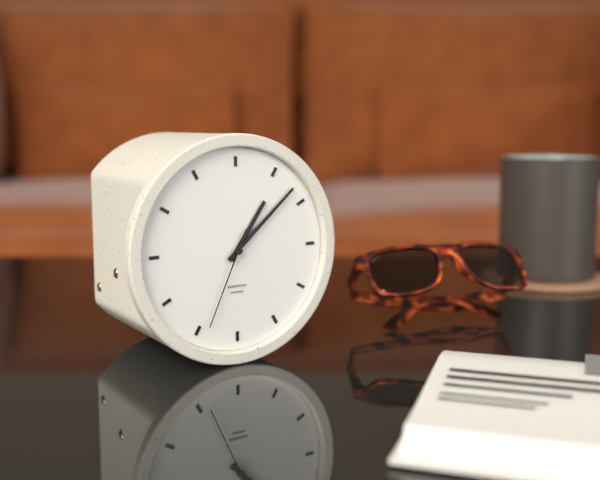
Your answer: 1,08,34
